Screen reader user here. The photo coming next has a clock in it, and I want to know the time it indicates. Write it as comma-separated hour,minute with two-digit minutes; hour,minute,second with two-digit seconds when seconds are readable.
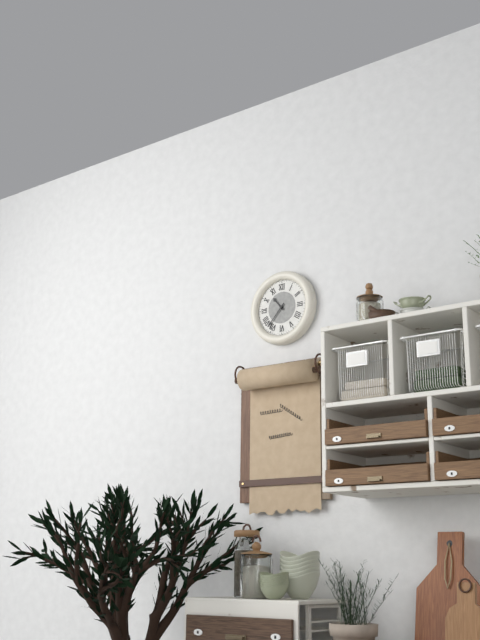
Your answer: 10,37
